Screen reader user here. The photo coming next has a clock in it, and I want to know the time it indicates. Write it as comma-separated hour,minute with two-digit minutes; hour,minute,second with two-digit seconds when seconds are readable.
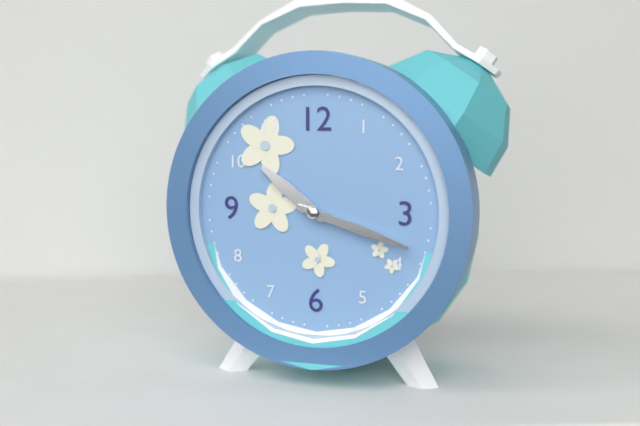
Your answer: 10,18
